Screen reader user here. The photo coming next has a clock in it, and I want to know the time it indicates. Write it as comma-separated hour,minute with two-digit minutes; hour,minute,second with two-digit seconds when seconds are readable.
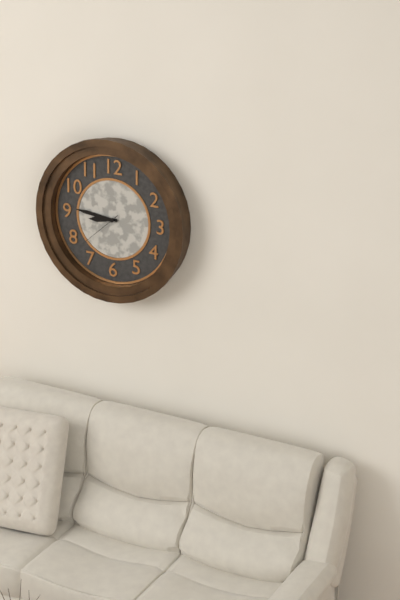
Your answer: 8,46
